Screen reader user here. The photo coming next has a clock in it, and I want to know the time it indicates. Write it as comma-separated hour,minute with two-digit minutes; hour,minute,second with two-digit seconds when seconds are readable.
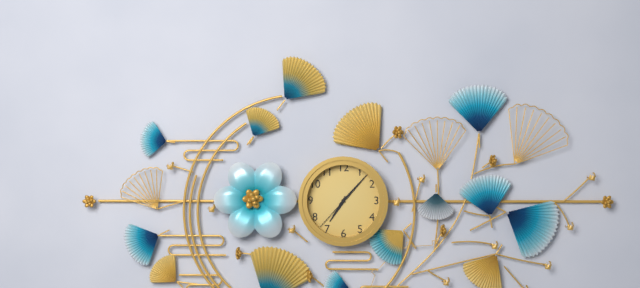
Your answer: 7,07
